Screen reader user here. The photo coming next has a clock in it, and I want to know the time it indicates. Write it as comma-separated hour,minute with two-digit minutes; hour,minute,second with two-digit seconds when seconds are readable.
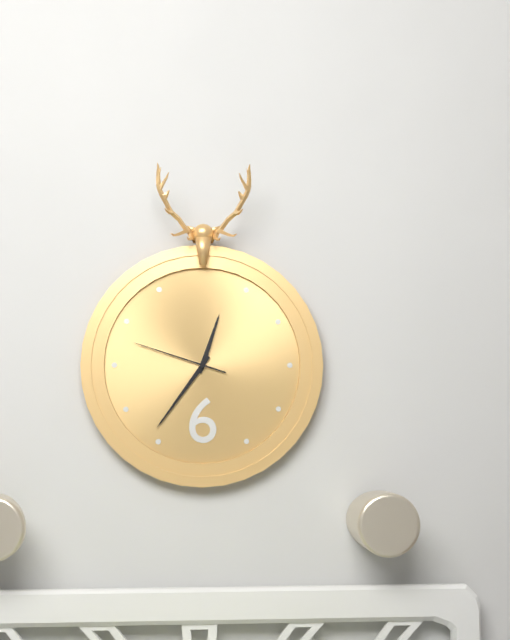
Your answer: 12,36,48
